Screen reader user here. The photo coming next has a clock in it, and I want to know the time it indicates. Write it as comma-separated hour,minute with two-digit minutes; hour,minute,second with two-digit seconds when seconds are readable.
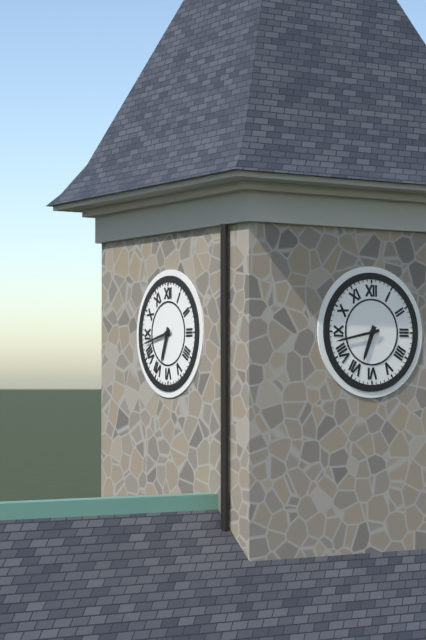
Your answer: 6,43
